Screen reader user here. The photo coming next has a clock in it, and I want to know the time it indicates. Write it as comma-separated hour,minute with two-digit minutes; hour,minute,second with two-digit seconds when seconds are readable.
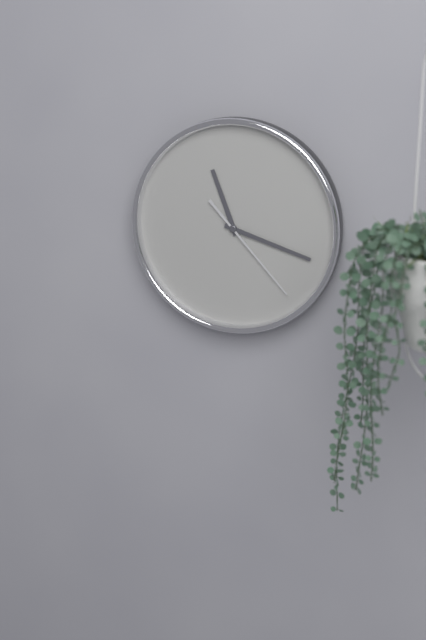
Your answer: 11,18,23
